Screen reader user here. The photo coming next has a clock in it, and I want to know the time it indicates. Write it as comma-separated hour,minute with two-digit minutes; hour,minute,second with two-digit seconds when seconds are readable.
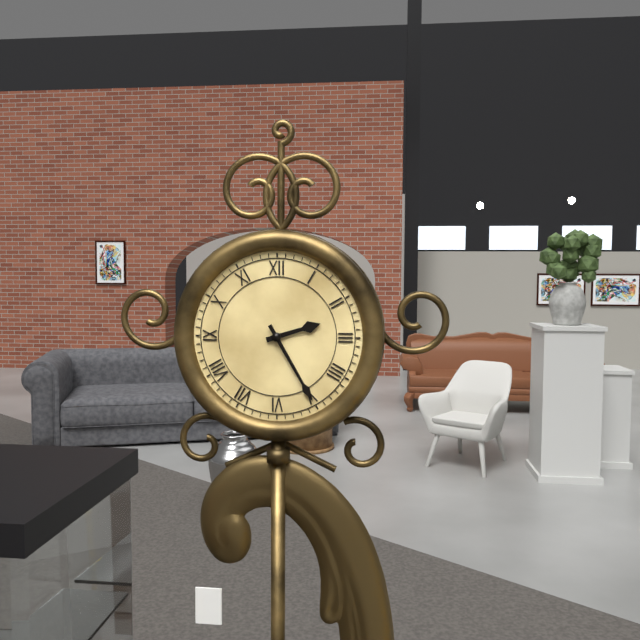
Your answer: 2,25
